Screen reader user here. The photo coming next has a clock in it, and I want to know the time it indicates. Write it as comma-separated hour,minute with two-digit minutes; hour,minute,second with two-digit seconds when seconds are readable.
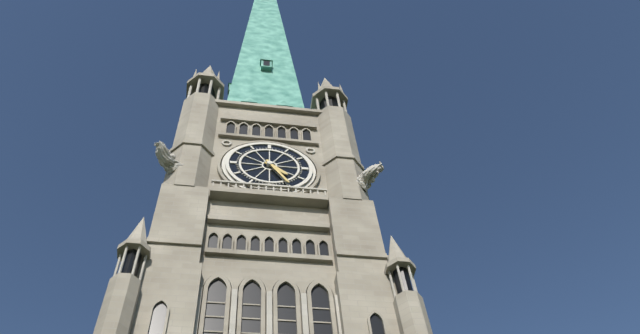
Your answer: 4,25
